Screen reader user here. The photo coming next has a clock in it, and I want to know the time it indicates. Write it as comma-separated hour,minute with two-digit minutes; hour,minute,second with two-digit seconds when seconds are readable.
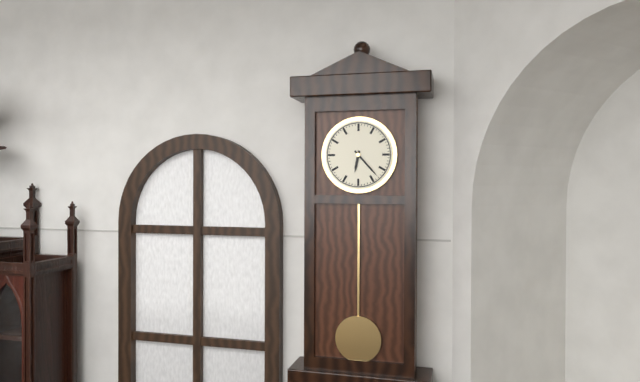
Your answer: 6,23
